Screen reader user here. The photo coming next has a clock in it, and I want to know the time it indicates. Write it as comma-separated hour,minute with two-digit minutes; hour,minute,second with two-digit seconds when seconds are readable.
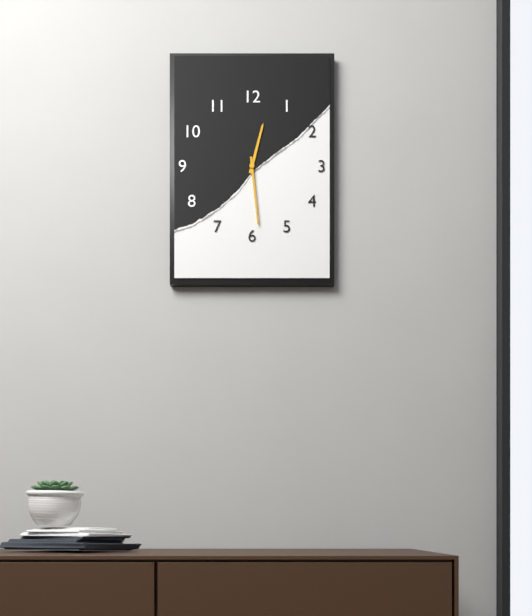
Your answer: 12,29
